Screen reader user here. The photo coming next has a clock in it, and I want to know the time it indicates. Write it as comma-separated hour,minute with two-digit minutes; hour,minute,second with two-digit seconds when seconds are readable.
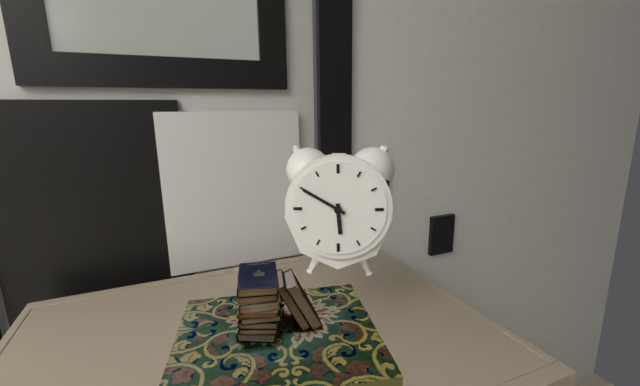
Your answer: 5,50
